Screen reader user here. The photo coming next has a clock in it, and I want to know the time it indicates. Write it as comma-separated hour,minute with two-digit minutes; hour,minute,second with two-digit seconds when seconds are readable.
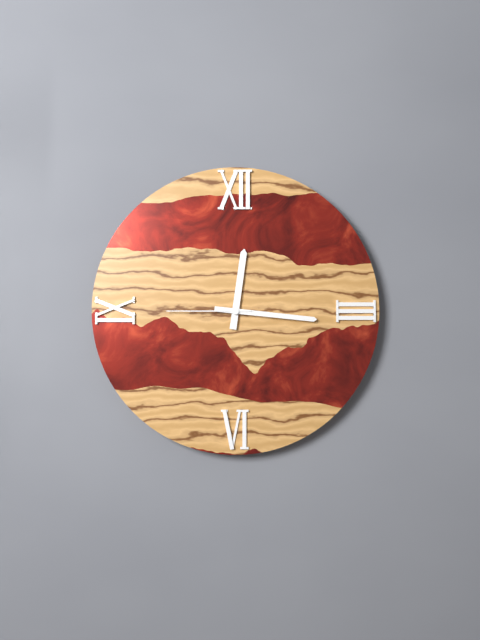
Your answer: 12,16,45
